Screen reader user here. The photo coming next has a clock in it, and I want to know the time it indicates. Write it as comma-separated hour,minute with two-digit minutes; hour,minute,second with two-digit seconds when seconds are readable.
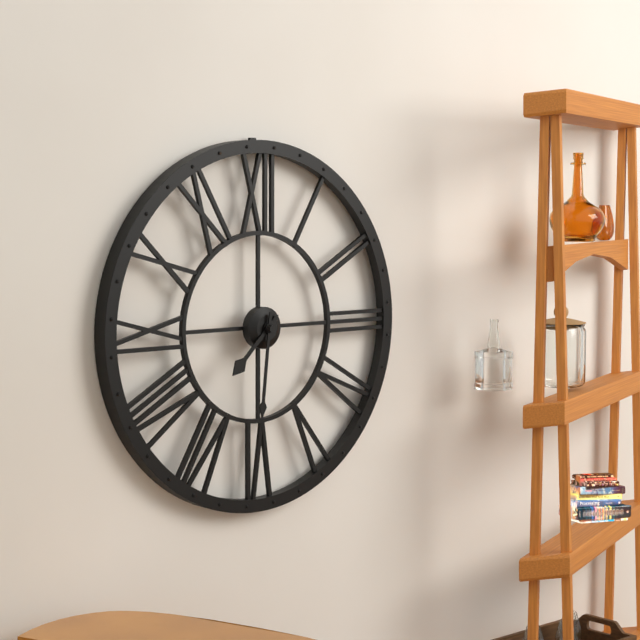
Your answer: 7,31
